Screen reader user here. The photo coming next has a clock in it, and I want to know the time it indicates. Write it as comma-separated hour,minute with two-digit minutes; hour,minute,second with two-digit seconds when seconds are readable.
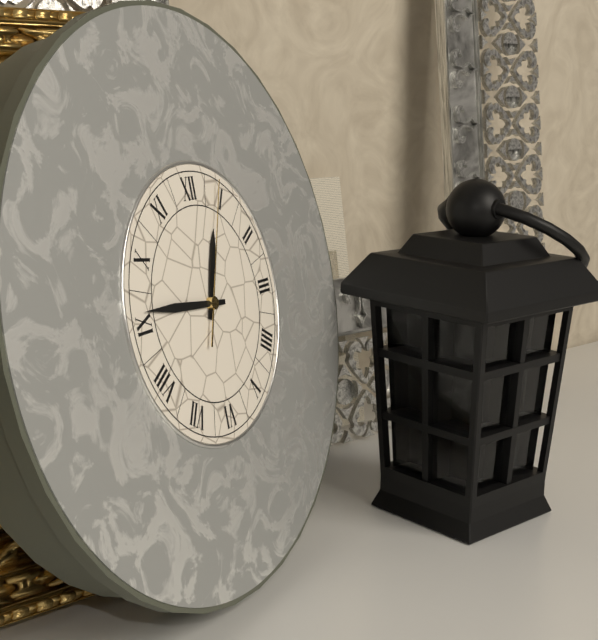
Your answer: 12,46,04
